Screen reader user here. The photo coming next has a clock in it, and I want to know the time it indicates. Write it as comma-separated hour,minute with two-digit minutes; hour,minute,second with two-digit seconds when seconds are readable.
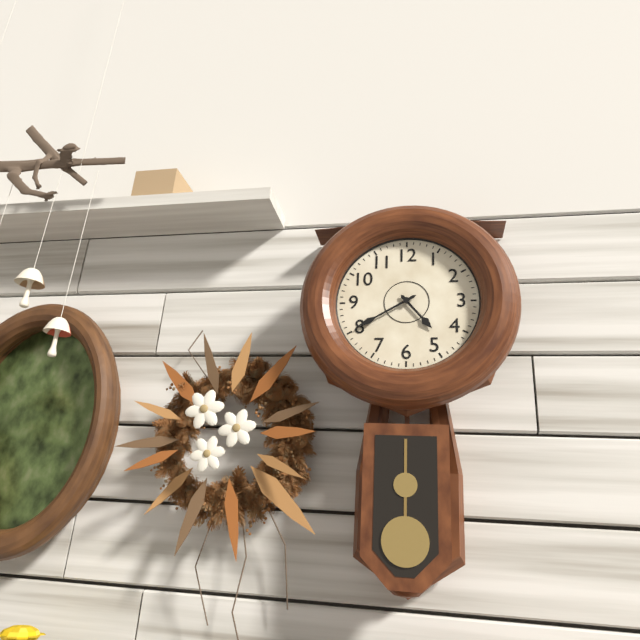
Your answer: 4,40
